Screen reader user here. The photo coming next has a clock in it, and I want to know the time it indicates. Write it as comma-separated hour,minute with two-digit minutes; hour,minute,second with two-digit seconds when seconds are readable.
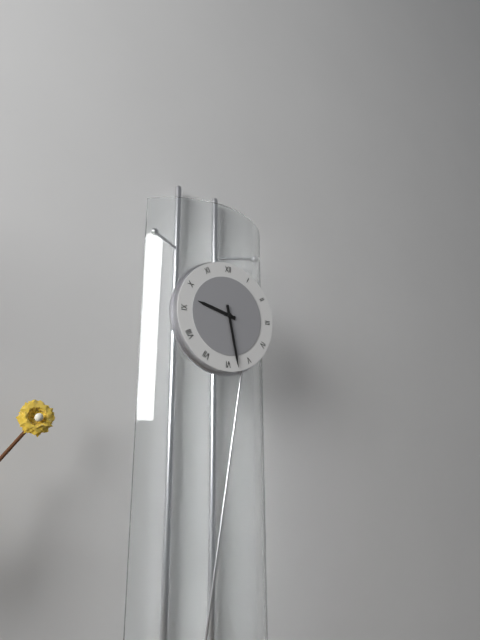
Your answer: 9,28
